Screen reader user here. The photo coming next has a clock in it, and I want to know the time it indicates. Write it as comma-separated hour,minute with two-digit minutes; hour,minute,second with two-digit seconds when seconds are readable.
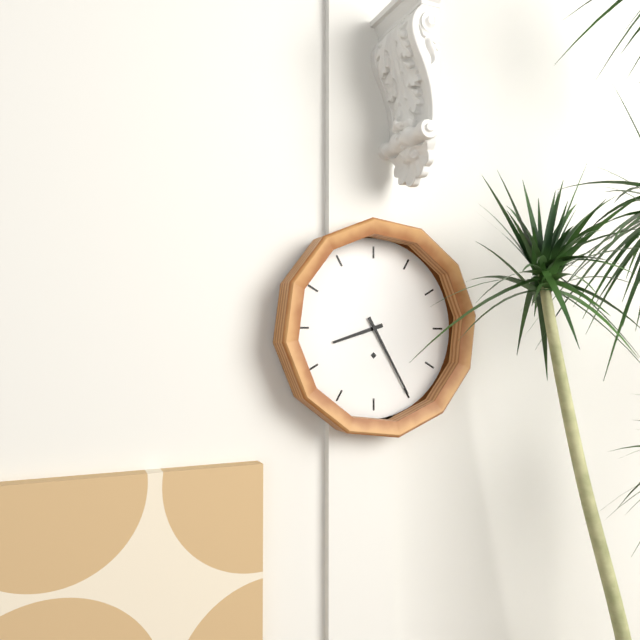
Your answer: 8,25
